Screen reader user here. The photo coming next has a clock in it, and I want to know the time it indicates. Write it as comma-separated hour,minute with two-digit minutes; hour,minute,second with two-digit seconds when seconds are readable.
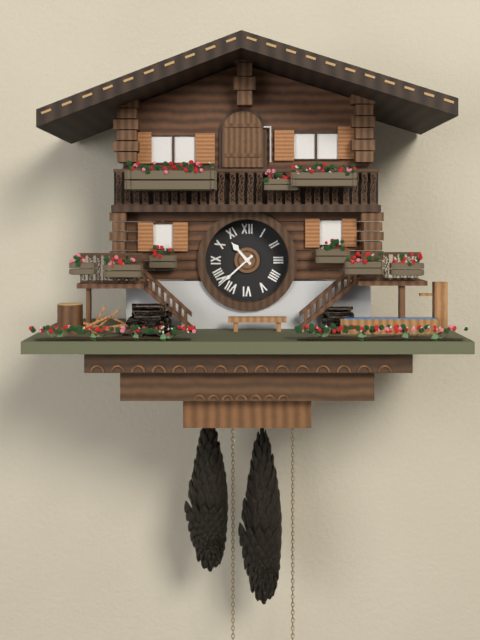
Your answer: 10,38
